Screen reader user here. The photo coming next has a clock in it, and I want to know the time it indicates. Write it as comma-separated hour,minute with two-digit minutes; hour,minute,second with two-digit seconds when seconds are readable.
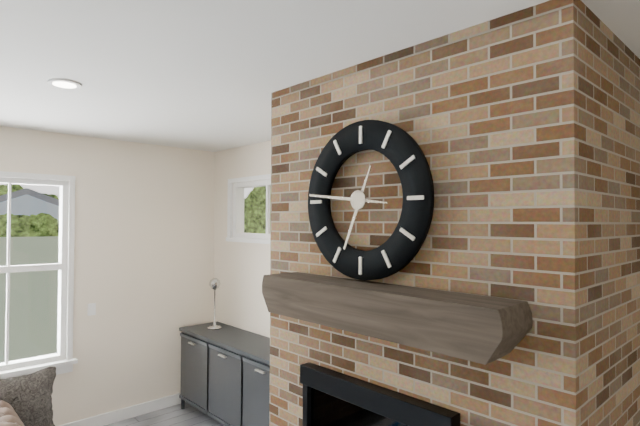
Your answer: 6,46
